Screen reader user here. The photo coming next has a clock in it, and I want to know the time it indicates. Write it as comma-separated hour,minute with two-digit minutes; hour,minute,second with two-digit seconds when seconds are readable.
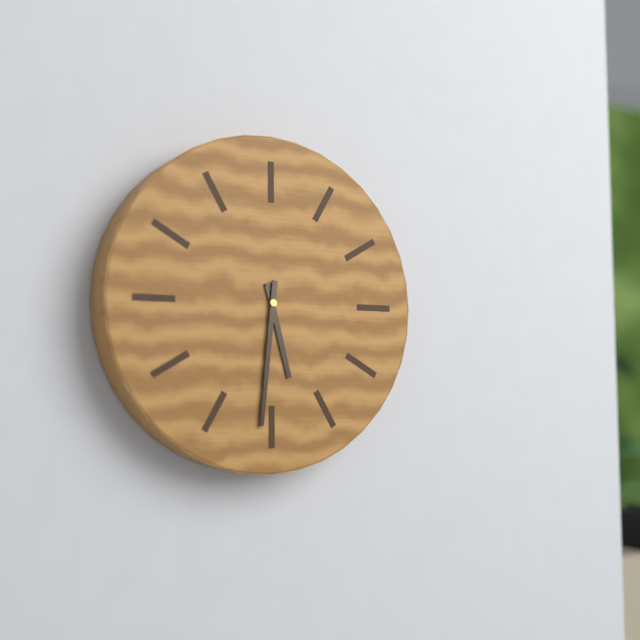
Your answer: 5,31
